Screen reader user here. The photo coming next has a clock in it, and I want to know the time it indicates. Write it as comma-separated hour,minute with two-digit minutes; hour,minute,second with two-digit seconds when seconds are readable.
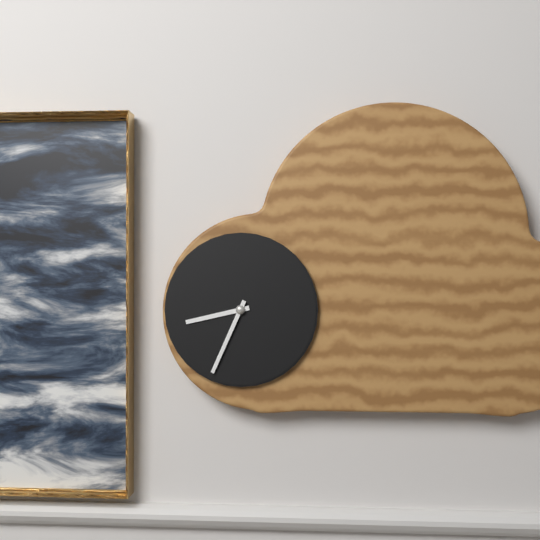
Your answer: 8,34
